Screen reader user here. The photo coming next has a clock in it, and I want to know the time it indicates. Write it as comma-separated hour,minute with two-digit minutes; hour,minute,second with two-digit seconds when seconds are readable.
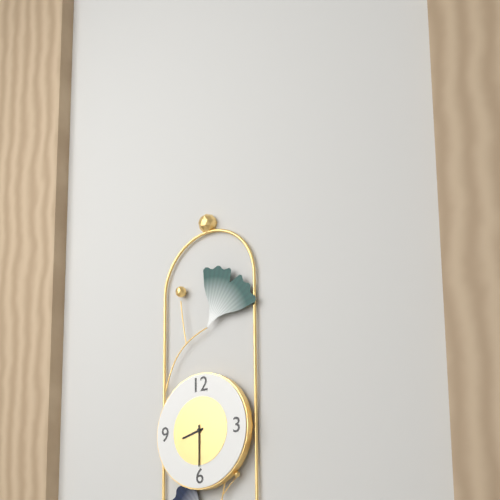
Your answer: 8,30
